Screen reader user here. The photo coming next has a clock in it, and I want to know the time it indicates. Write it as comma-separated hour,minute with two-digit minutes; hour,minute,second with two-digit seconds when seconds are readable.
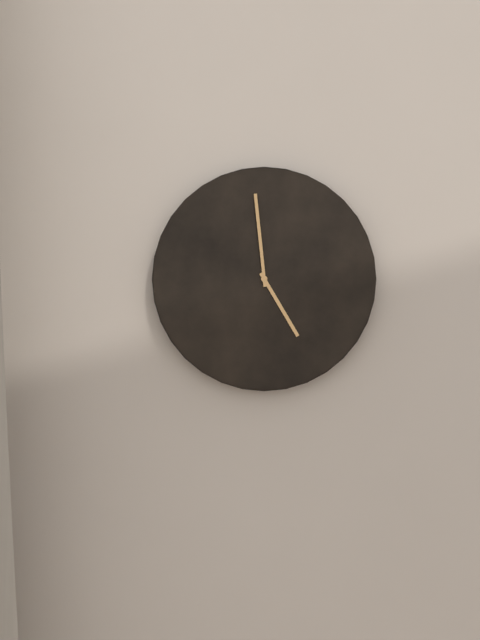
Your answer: 4,59
